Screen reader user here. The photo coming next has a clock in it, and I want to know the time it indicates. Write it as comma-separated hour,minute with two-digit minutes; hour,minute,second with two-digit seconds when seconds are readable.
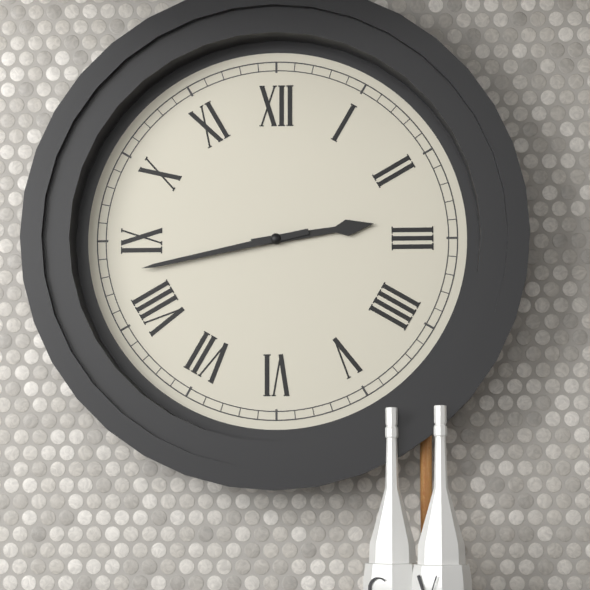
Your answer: 2,43
